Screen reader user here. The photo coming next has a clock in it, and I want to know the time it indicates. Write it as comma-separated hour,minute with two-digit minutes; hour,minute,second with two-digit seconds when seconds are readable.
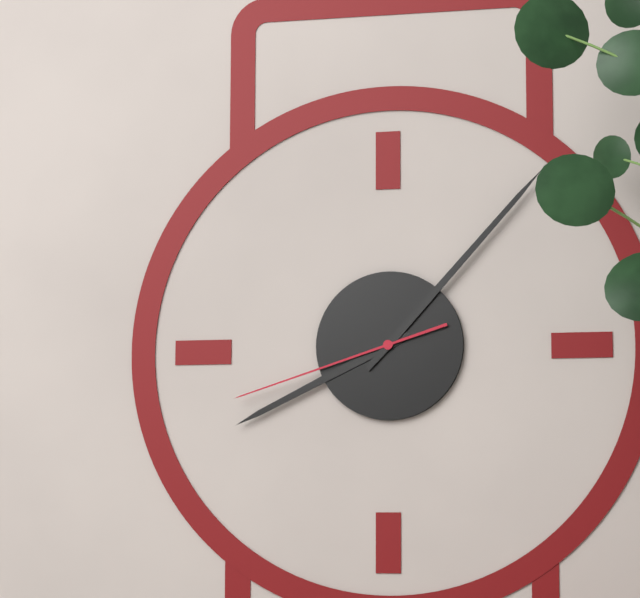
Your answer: 8,07,42
